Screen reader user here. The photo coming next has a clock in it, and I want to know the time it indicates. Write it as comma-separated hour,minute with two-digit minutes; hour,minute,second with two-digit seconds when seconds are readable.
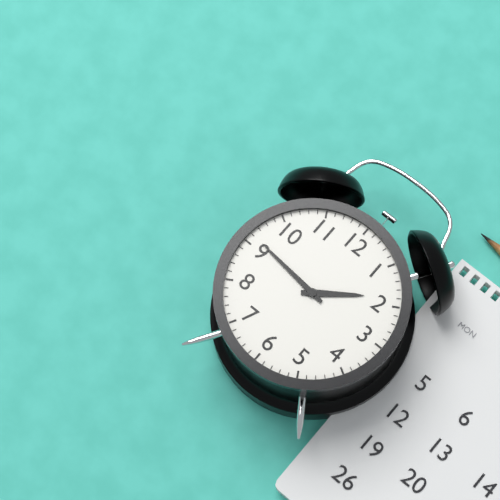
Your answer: 1,46
